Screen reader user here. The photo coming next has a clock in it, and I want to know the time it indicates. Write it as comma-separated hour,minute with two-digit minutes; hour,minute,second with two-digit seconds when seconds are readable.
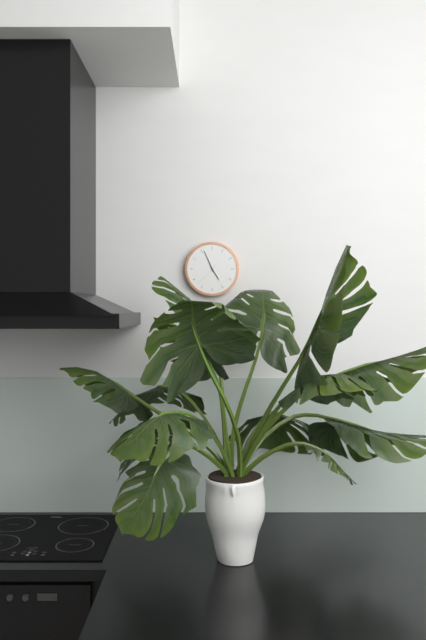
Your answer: 4,56
